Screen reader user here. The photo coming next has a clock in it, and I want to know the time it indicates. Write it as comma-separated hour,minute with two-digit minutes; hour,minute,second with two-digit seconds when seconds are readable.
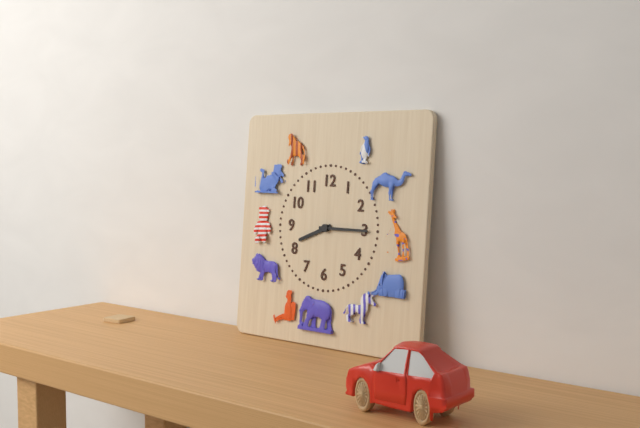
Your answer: 8,15
